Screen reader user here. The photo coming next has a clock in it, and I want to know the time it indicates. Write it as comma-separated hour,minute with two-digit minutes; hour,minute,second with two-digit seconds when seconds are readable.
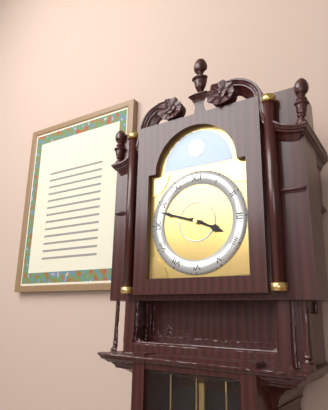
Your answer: 3,48
